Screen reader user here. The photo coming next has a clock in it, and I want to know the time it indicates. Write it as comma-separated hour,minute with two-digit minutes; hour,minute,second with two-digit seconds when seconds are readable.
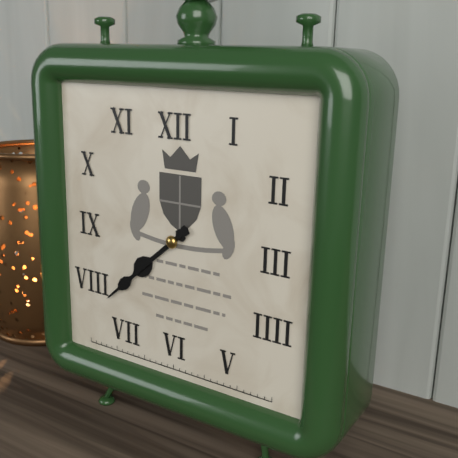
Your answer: 7,38
